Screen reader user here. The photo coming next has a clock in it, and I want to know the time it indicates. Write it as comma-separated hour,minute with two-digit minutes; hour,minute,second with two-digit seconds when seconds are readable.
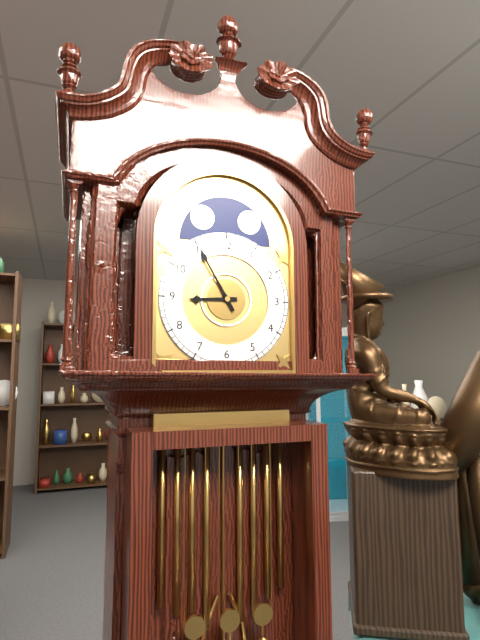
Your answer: 8,55
